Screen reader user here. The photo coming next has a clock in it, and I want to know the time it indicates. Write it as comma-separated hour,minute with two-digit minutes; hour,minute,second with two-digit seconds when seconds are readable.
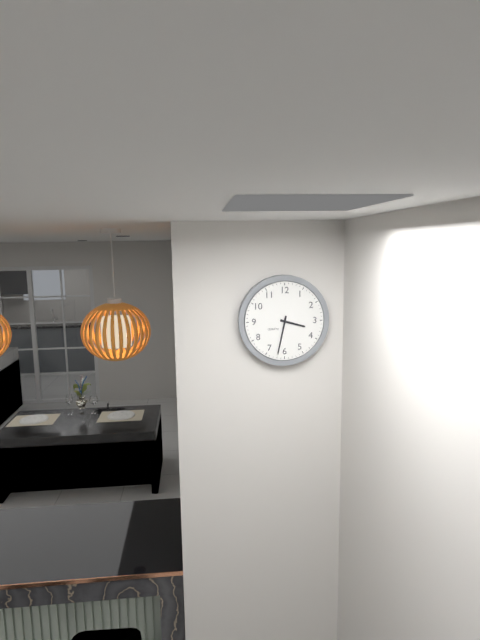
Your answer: 3,32
